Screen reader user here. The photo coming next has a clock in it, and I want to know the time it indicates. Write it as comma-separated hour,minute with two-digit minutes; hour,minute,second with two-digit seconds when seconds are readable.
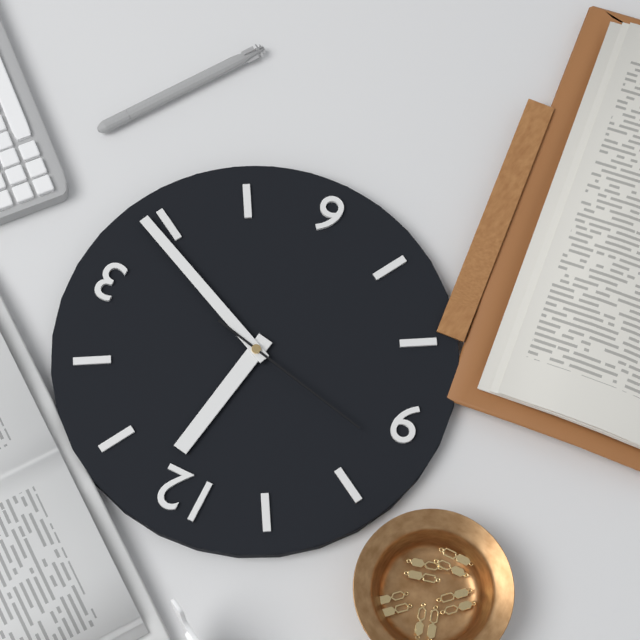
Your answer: 12,19,47
